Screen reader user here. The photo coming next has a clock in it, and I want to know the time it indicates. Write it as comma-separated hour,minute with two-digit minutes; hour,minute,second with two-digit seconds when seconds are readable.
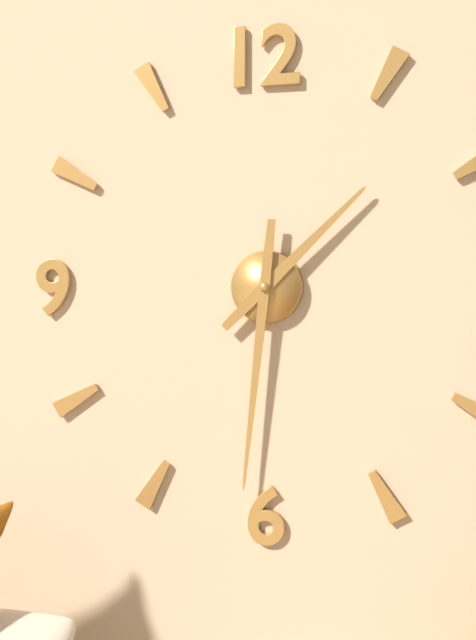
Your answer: 1,31
